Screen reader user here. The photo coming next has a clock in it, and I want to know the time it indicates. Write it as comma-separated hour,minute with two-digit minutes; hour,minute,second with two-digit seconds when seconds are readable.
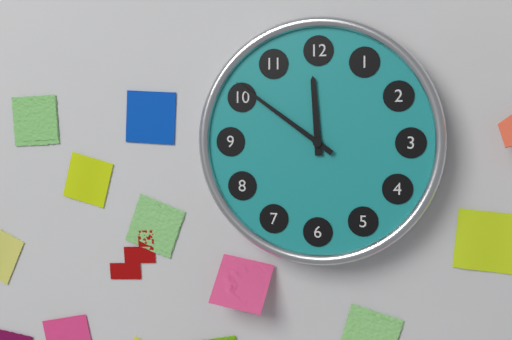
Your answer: 11,51
